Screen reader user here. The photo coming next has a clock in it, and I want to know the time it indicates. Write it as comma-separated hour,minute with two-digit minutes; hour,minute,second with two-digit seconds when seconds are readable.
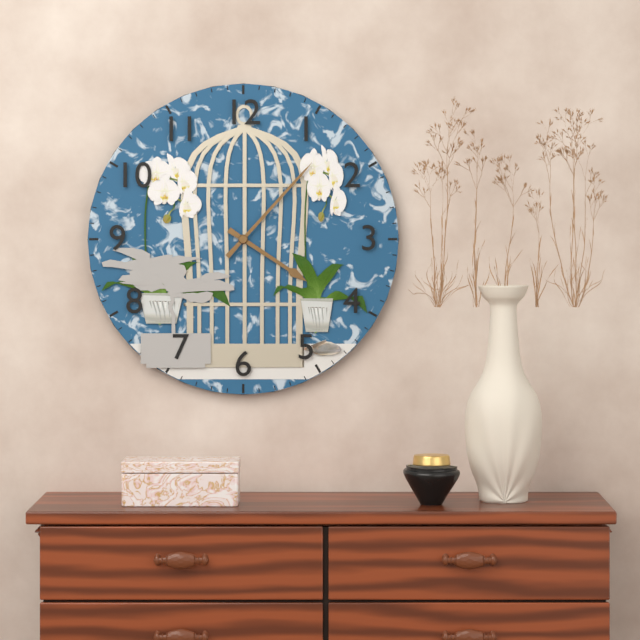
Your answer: 4,07
